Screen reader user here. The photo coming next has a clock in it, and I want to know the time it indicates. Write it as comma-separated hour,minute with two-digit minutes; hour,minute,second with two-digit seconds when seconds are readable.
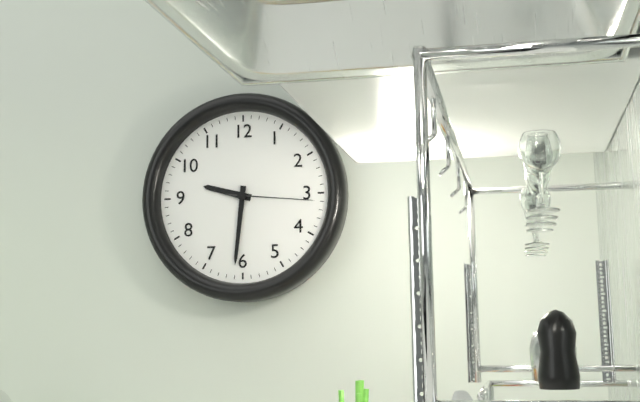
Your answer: 9,31,16
